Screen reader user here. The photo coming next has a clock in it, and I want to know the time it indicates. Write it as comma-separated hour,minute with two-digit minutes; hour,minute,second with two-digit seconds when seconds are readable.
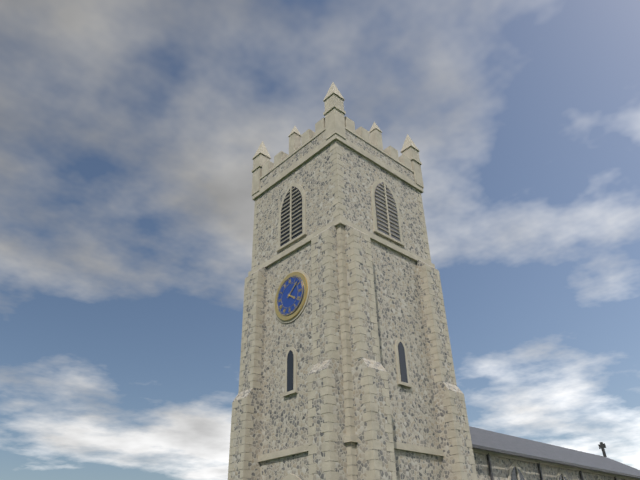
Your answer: 4,08
